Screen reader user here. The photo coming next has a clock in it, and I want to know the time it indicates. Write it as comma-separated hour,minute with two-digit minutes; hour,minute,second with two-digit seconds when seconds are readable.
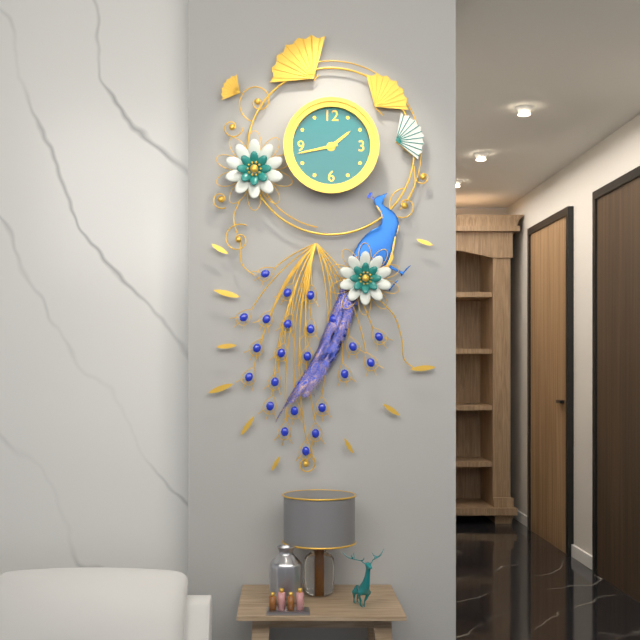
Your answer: 1,43
